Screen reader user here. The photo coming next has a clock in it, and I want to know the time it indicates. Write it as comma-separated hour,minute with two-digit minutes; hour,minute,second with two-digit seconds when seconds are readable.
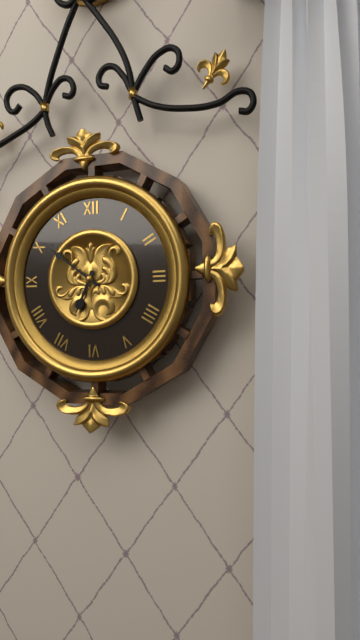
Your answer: 6,51
